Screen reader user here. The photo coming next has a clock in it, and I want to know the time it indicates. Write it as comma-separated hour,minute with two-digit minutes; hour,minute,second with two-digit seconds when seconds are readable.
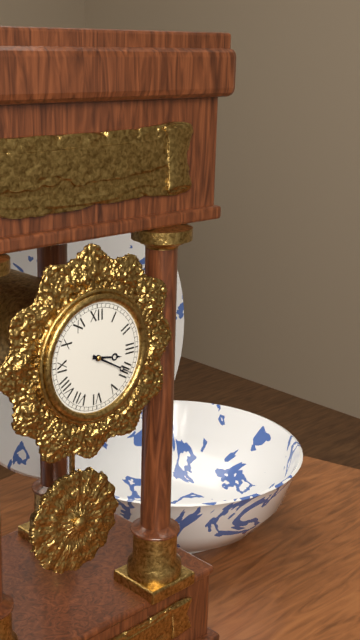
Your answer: 3,20
